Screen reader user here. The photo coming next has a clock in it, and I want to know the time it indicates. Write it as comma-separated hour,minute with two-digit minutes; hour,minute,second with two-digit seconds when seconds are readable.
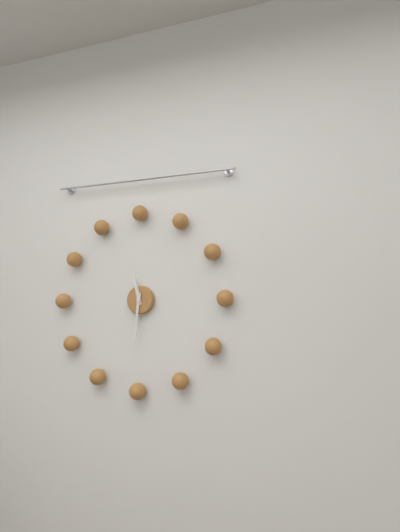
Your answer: 11,31
